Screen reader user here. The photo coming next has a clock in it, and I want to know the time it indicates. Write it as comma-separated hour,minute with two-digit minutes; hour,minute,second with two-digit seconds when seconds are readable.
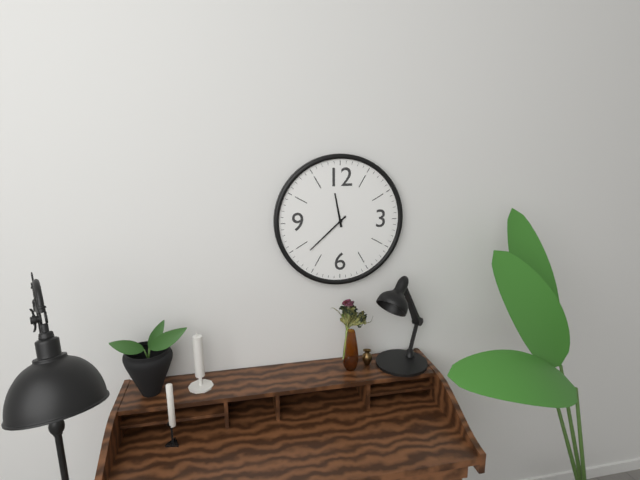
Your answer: 11,38
